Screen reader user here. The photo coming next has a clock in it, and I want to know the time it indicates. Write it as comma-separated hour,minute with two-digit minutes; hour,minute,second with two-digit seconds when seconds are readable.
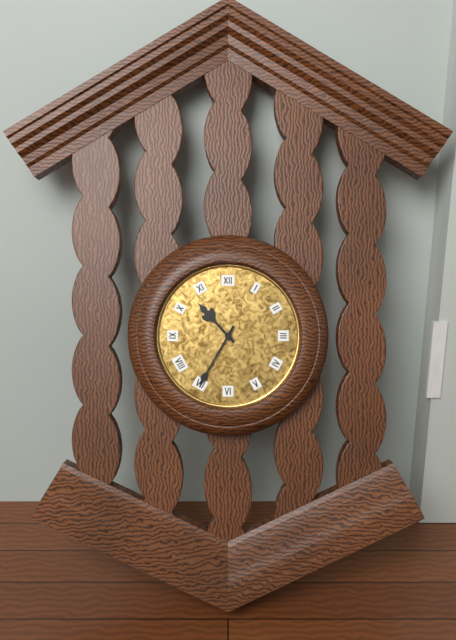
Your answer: 10,35
